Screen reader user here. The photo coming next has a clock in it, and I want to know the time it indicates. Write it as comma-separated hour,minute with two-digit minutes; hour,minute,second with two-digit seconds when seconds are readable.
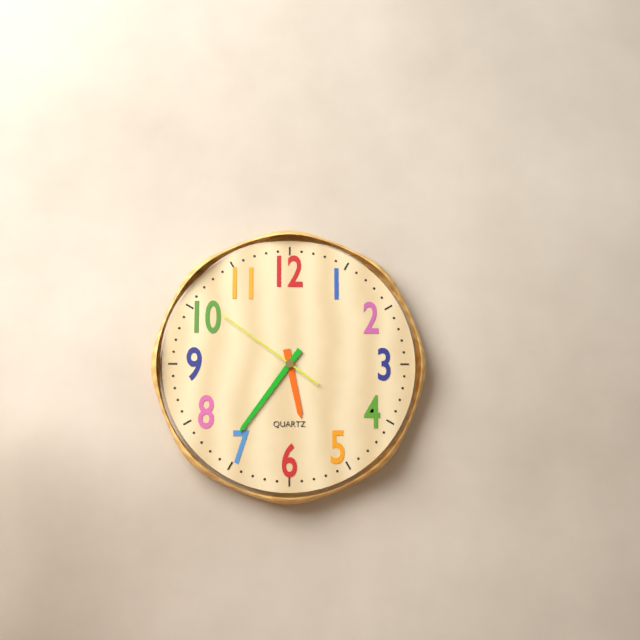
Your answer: 5,36,51
